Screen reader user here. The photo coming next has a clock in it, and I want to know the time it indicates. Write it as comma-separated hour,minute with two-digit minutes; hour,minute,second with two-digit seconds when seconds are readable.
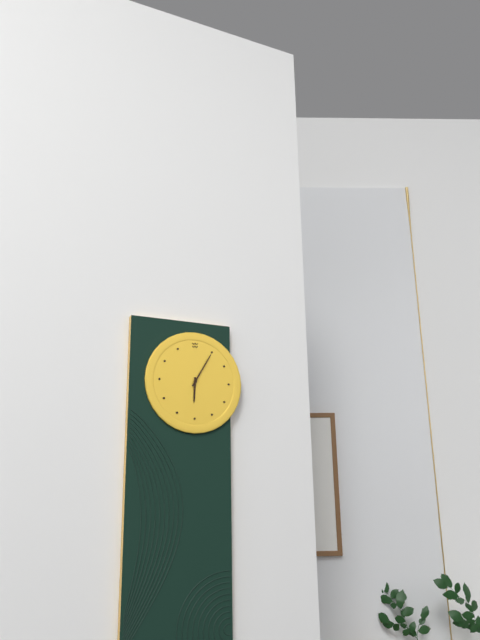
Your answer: 6,05
